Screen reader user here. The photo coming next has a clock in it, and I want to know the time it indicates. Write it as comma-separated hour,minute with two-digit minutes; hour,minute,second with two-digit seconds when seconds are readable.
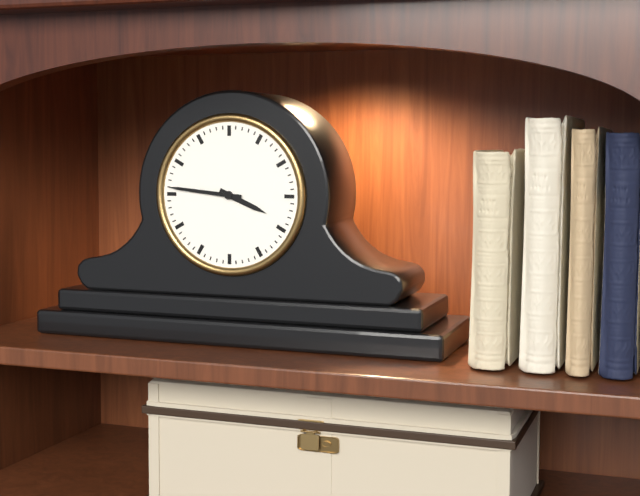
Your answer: 3,46
